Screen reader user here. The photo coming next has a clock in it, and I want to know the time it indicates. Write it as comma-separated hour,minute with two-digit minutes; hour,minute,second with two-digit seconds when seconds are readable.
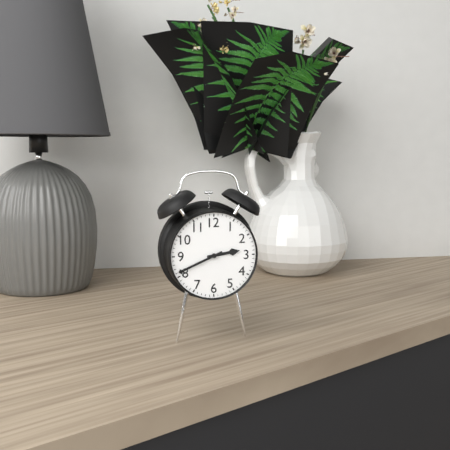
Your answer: 2,41
